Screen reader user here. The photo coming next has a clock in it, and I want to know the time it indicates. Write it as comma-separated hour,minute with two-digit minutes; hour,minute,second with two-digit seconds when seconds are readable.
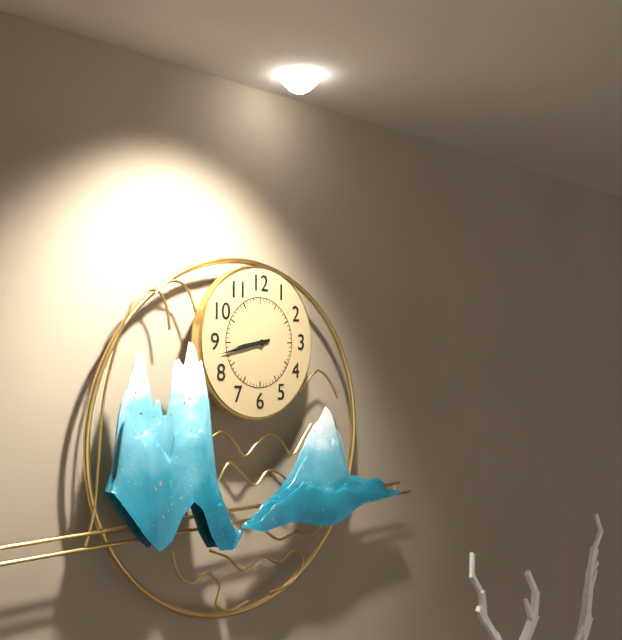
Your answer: 8,43
